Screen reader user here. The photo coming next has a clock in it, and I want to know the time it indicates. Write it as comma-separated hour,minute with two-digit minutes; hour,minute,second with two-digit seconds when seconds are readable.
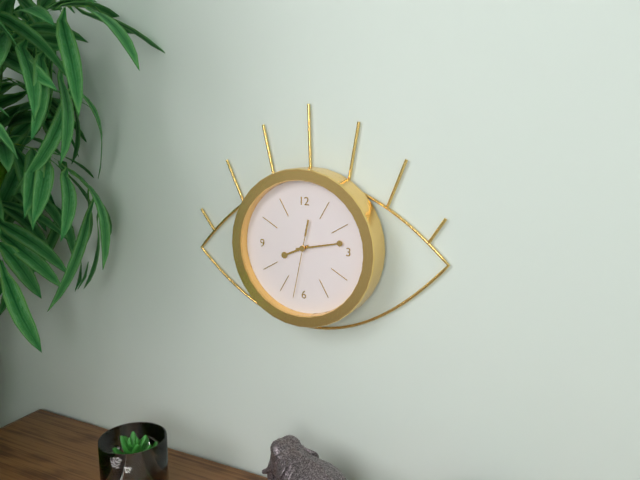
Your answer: 8,13,32
